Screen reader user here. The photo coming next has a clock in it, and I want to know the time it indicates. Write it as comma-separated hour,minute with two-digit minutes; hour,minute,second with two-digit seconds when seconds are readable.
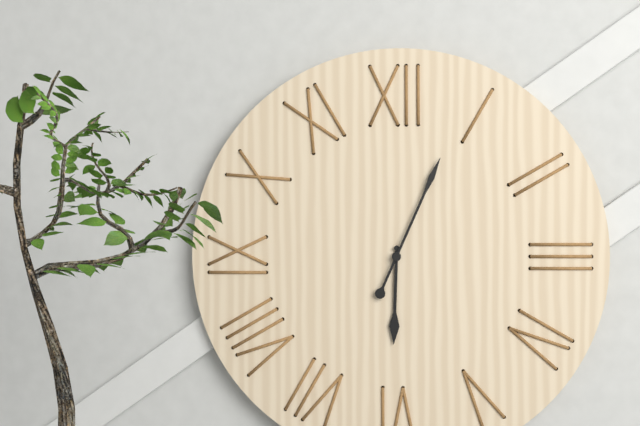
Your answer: 6,04
